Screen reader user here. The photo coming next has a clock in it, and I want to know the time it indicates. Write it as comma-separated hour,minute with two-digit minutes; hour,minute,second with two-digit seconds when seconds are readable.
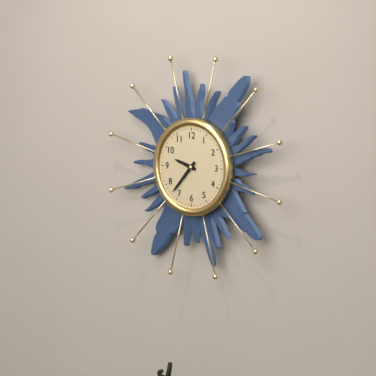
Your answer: 9,37
